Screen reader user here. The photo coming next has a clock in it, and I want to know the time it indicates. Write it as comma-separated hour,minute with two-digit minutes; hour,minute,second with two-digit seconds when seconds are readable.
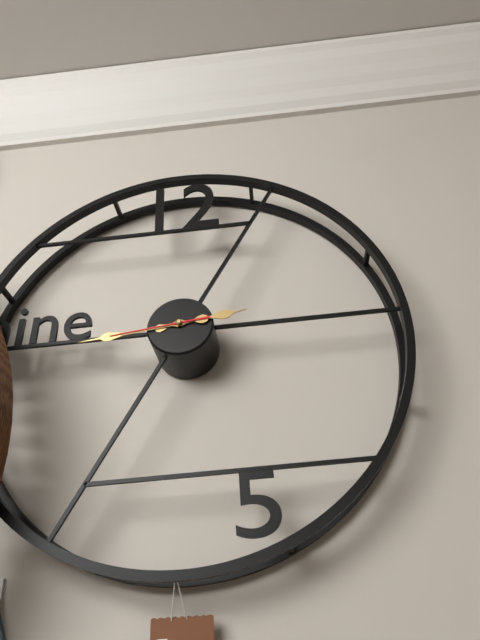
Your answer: 2,44,44
